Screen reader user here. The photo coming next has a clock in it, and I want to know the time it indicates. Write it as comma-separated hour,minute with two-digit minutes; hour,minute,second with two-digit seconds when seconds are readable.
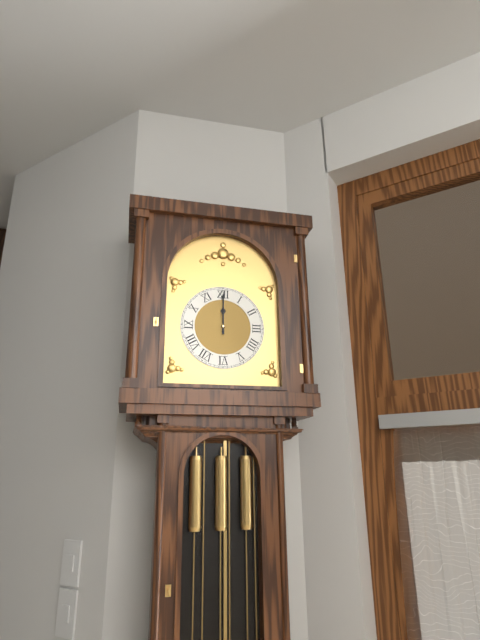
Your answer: 12,00
